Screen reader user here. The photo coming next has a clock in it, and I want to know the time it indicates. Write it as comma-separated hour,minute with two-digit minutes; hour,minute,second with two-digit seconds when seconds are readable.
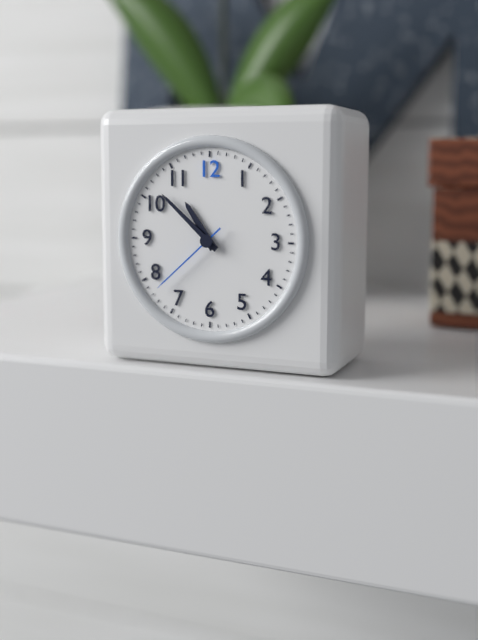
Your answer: 10,52,38
